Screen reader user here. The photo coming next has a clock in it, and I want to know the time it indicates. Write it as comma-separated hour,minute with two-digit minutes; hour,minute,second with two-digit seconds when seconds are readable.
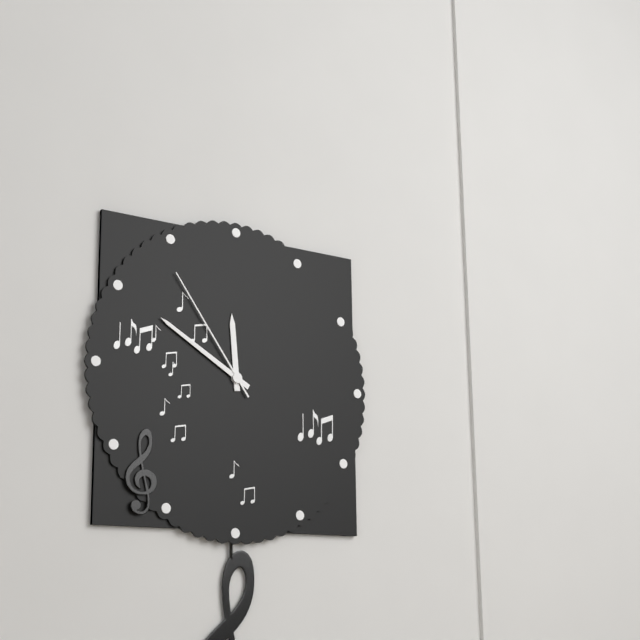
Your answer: 11,50,54
